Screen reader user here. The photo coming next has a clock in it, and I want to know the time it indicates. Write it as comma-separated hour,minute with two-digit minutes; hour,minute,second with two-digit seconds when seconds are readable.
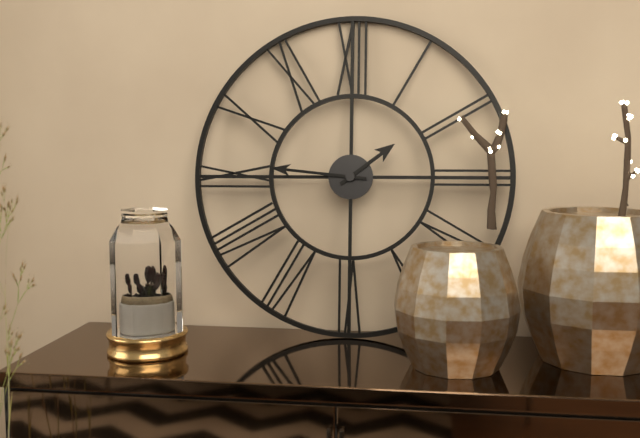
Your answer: 1,46
